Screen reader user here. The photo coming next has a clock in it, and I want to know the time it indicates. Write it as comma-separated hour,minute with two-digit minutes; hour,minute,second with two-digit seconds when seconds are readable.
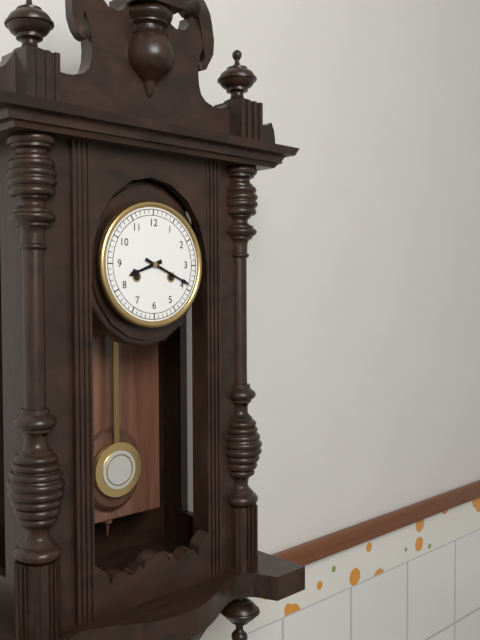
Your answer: 8,19
